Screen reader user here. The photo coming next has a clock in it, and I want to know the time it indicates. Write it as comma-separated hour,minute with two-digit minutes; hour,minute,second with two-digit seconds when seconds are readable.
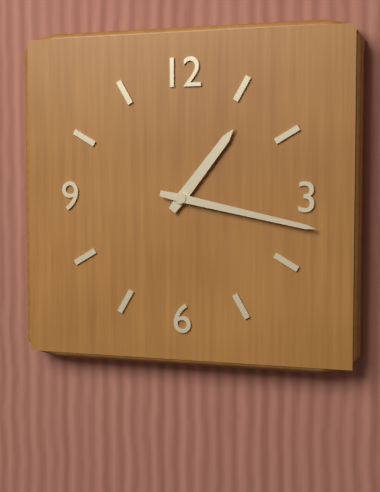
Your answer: 1,17
